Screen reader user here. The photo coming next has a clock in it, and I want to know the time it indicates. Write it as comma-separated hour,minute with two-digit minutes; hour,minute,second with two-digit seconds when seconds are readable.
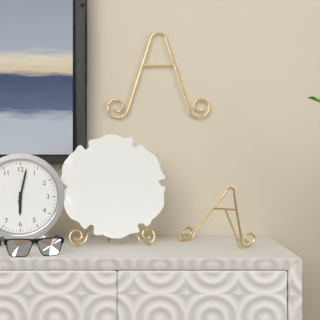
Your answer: 6,02
